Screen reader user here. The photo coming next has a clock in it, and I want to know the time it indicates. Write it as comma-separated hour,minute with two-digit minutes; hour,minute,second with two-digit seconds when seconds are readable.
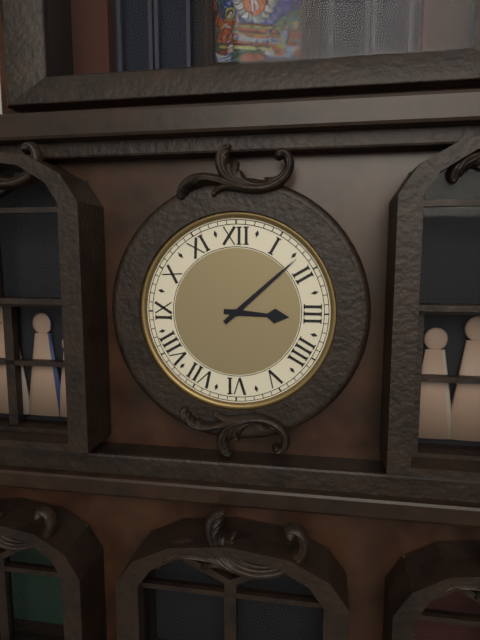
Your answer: 3,08
